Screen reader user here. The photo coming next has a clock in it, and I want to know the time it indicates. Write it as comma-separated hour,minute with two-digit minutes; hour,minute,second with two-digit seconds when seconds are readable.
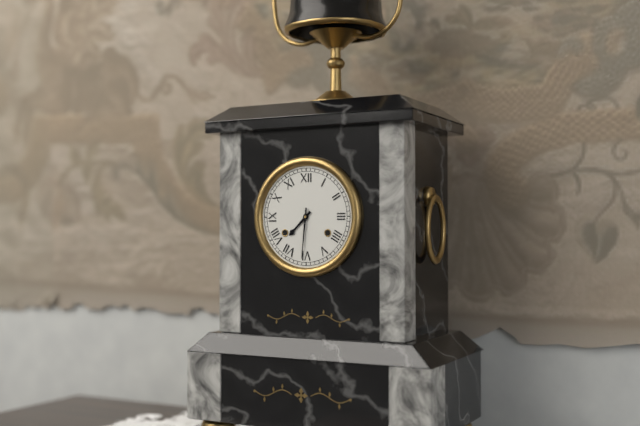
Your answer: 7,31
